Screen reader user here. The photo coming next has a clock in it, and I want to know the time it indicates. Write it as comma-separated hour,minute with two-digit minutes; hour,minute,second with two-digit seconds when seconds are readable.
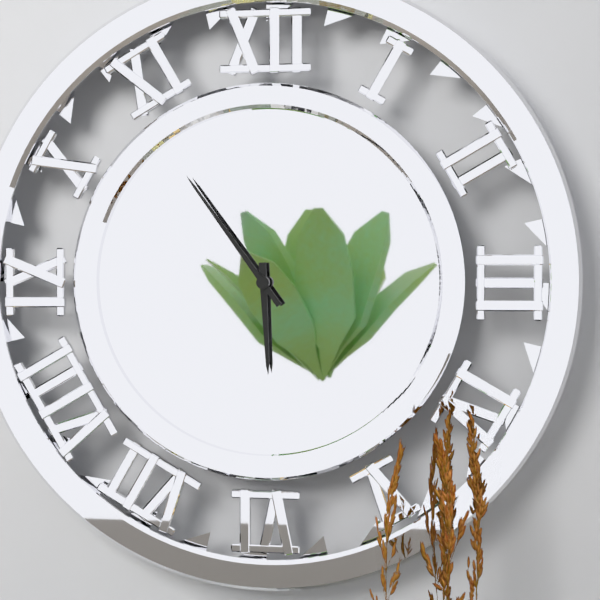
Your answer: 5,54
